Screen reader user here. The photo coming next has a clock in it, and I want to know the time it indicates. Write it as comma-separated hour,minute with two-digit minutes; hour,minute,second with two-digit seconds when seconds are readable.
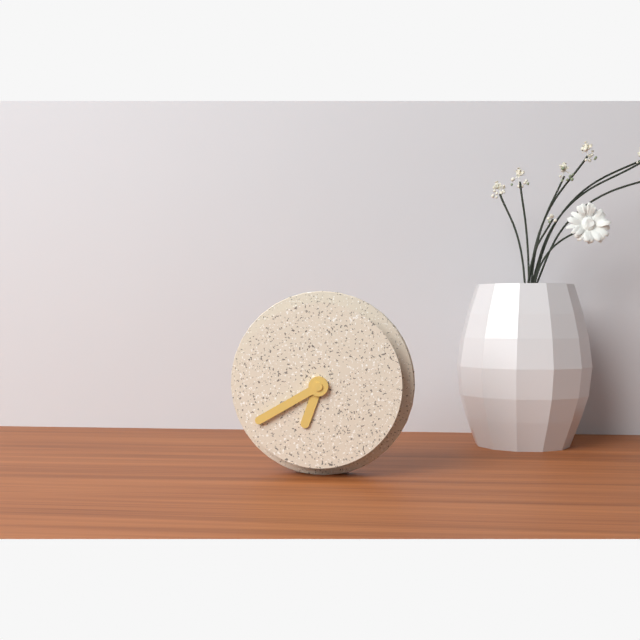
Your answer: 6,40
